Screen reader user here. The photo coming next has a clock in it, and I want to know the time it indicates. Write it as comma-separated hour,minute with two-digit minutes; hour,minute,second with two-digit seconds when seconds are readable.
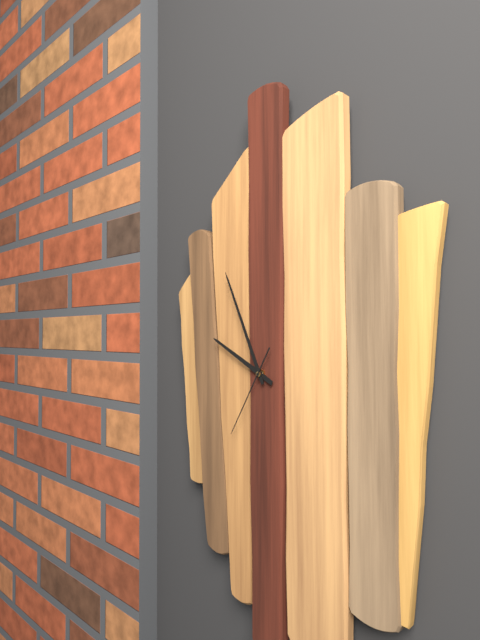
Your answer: 9,56,35
